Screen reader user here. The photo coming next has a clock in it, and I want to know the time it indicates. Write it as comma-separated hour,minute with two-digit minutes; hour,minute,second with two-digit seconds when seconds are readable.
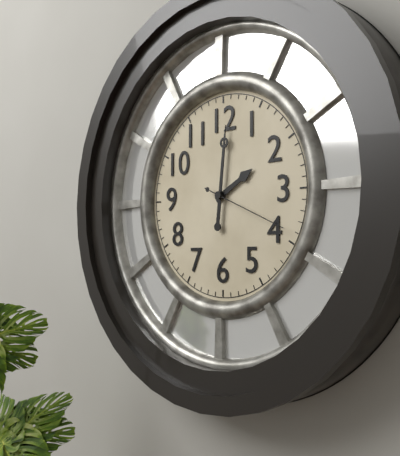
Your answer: 2,01,19
